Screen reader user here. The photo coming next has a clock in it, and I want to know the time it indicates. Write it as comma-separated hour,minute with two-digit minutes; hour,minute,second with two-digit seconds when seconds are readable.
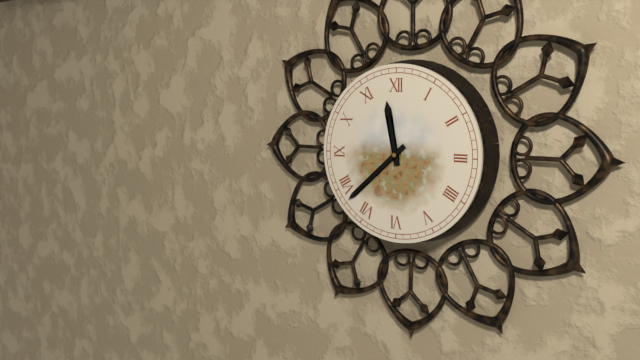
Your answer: 11,38
